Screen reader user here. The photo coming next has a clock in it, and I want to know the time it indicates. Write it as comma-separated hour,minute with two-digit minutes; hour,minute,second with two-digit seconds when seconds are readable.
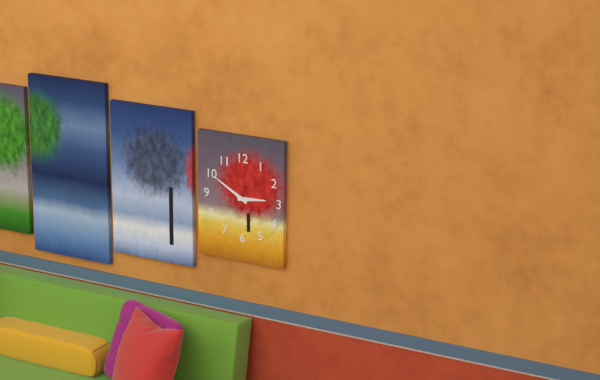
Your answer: 2,50
